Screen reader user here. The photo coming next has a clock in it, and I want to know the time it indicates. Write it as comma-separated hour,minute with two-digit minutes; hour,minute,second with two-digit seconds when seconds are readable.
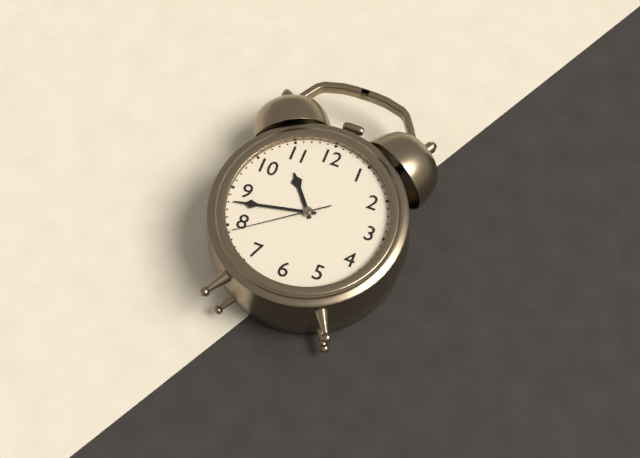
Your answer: 10,43,39
